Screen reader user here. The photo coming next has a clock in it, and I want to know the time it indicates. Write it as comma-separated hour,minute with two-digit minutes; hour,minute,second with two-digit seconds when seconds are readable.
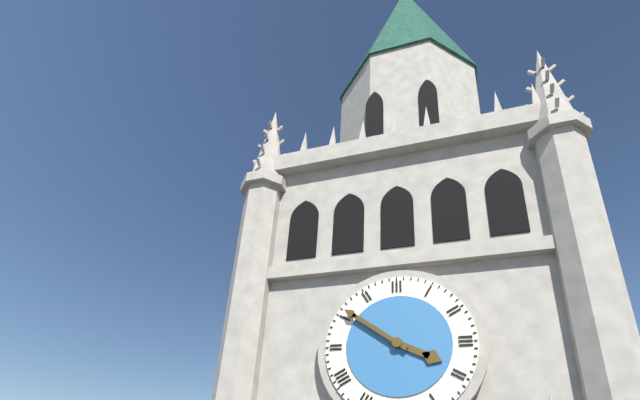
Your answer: 3,51
